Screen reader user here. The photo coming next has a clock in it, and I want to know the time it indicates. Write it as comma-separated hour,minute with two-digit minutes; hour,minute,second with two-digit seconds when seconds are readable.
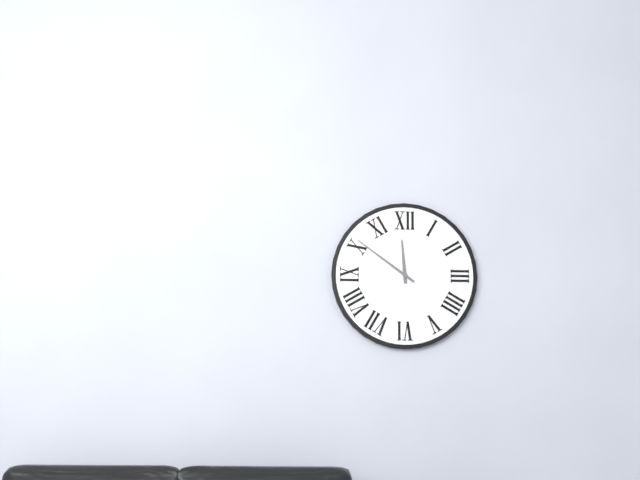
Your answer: 11,51
